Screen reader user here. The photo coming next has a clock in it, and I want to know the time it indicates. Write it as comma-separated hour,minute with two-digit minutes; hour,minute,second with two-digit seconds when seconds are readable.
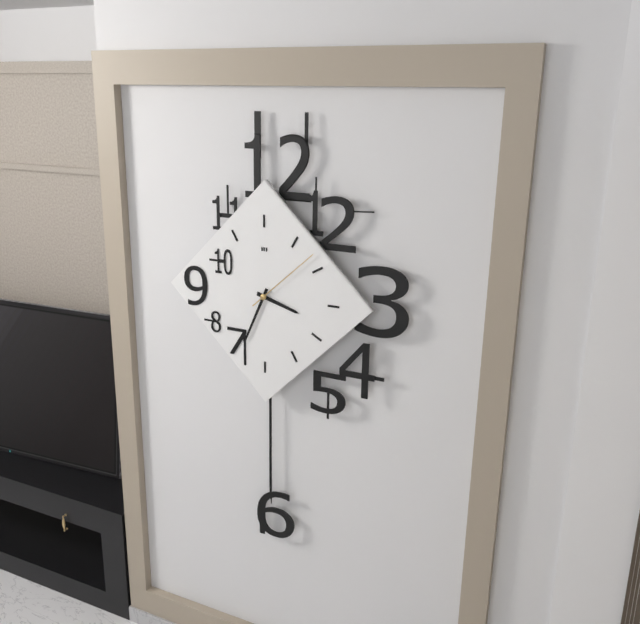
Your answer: 3,34,08
